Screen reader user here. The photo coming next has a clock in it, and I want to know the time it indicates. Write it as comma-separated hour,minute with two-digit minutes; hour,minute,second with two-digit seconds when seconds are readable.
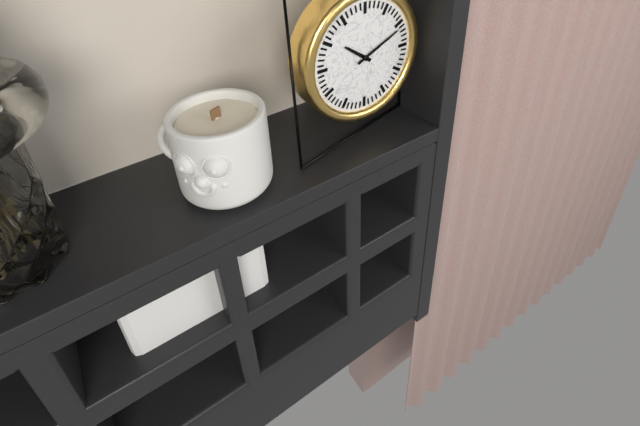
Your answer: 10,11
